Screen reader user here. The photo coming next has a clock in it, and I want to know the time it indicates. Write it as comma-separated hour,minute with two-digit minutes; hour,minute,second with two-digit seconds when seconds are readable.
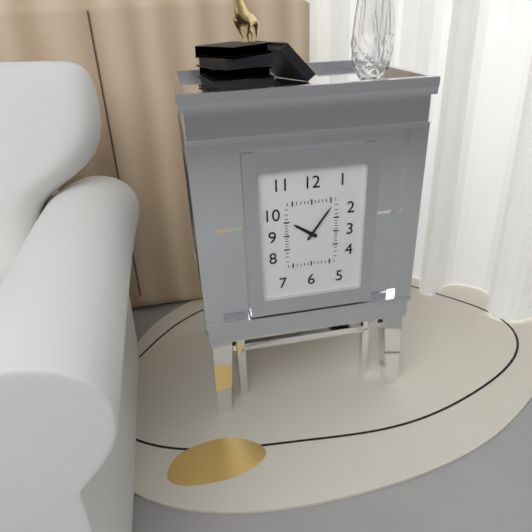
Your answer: 10,06
